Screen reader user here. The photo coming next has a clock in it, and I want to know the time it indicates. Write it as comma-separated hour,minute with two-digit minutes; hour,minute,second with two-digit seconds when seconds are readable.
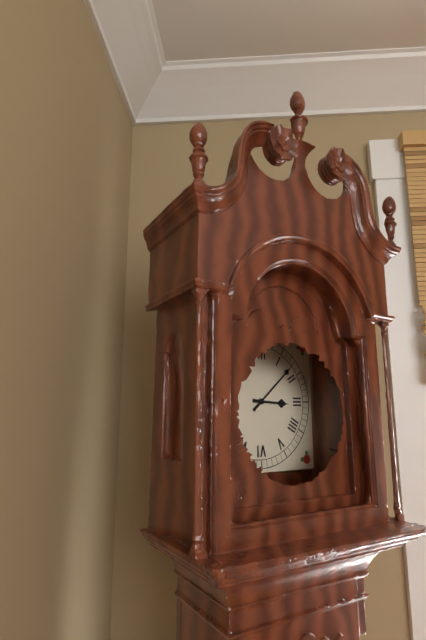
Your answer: 3,08
